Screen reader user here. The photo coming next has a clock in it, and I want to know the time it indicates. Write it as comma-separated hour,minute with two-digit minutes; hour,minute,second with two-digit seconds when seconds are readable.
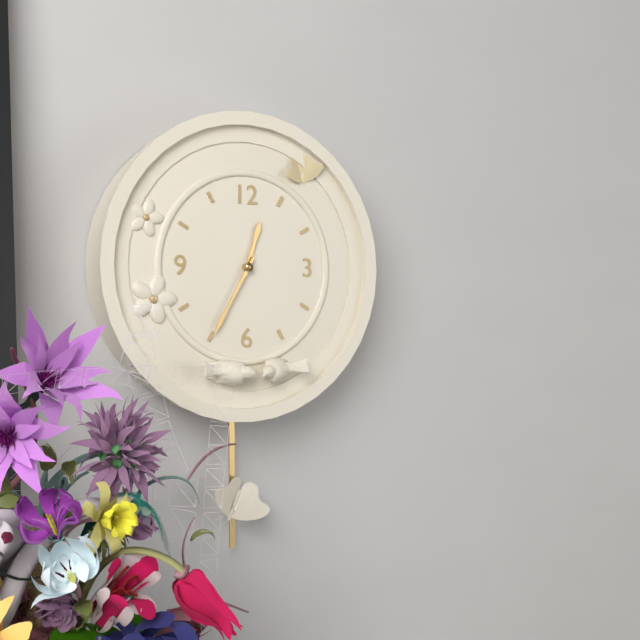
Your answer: 12,35
